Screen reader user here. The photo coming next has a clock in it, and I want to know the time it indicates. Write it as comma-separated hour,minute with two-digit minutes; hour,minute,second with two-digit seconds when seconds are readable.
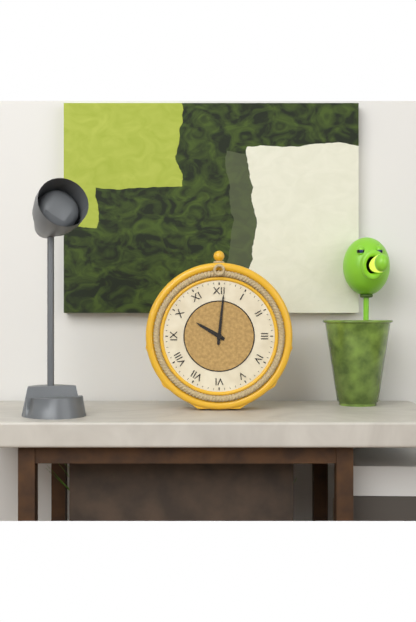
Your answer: 10,01
